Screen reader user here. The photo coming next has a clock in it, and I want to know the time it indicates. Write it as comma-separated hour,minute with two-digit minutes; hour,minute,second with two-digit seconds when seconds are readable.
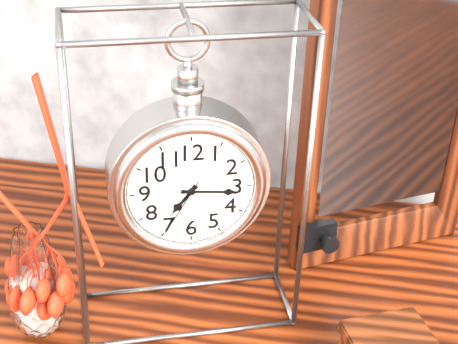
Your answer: 7,16,35
